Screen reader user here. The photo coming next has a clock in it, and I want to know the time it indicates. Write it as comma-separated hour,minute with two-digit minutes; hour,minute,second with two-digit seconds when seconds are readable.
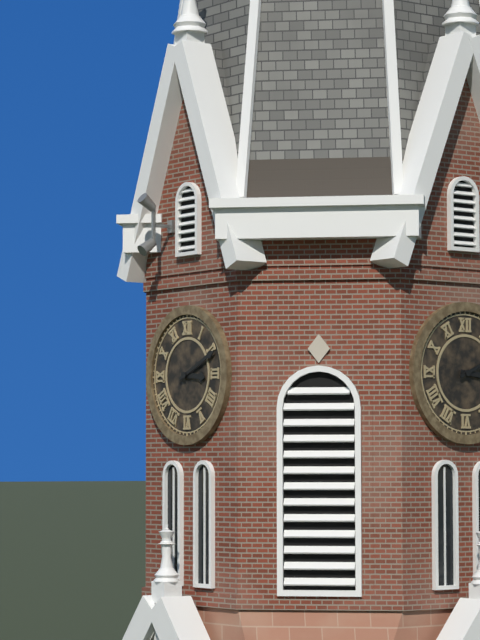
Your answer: 3,11
